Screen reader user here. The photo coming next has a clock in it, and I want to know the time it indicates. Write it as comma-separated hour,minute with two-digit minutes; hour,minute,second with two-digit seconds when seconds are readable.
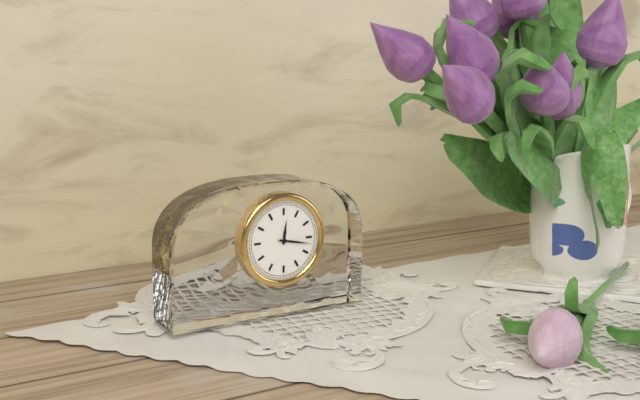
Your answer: 12,17
